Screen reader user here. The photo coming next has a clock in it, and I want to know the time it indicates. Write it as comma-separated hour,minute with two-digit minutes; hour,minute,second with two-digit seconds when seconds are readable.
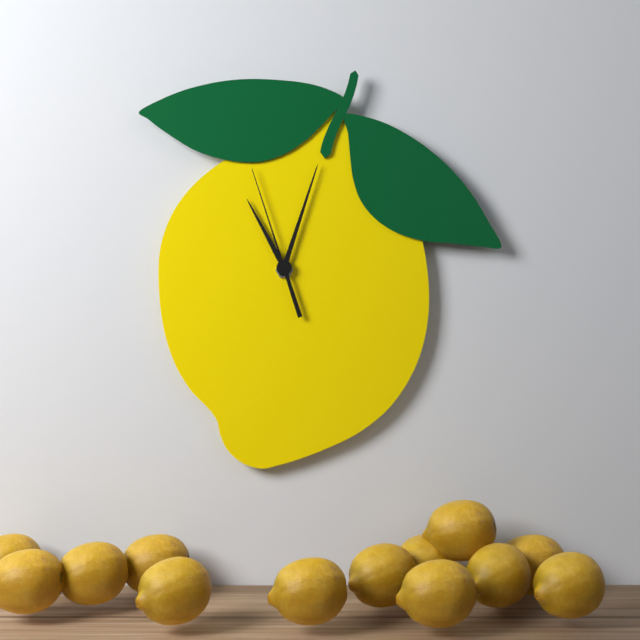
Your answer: 11,03,57
